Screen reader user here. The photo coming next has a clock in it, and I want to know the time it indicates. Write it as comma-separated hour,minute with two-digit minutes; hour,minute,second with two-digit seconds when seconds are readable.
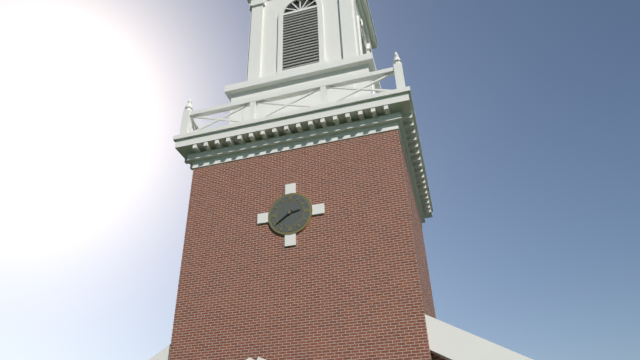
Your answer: 2,39
